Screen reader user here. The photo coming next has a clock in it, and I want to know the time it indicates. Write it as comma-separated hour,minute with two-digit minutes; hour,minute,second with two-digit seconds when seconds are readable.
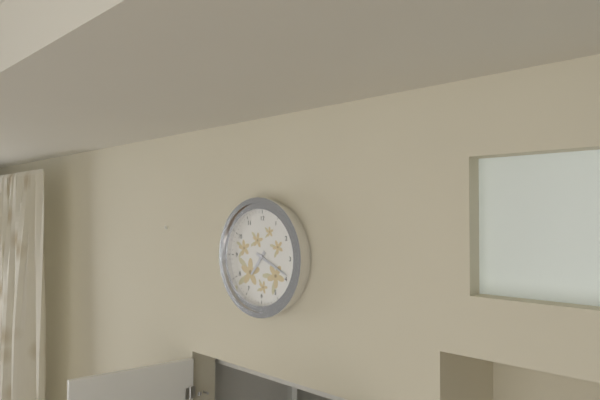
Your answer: 7,19
